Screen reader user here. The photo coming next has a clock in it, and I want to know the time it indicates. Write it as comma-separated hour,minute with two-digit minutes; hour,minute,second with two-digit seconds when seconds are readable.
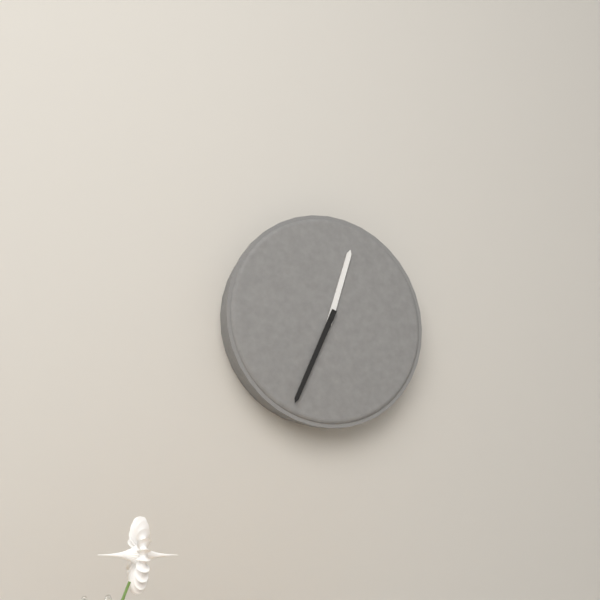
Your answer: 12,34
